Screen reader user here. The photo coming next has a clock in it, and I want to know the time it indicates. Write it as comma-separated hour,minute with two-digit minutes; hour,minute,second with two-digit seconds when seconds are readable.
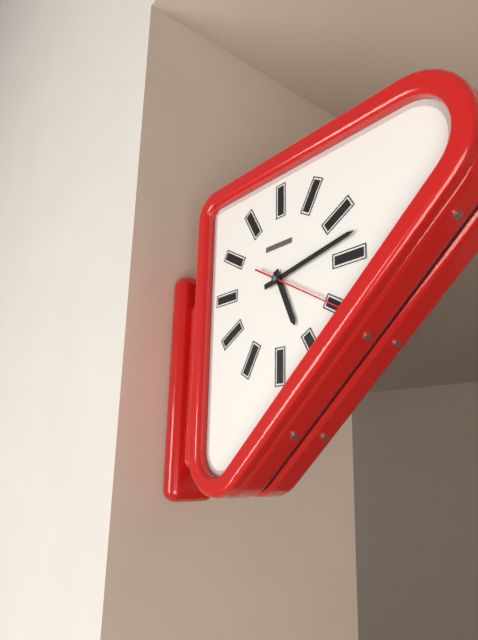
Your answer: 5,13,20
